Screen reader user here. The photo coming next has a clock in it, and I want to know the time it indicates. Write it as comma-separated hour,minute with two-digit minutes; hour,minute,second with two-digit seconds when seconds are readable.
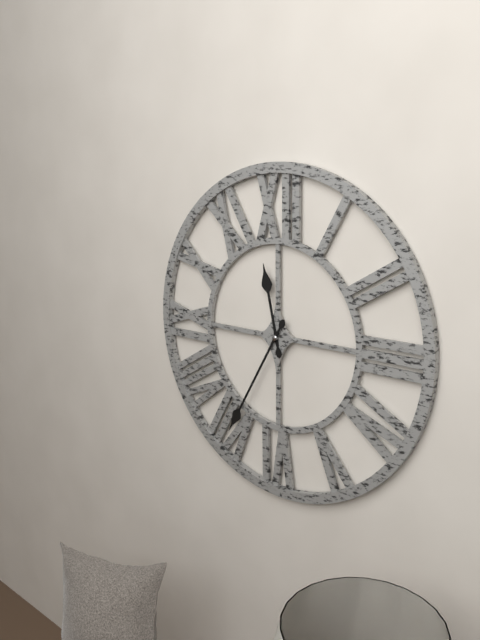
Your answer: 11,35
